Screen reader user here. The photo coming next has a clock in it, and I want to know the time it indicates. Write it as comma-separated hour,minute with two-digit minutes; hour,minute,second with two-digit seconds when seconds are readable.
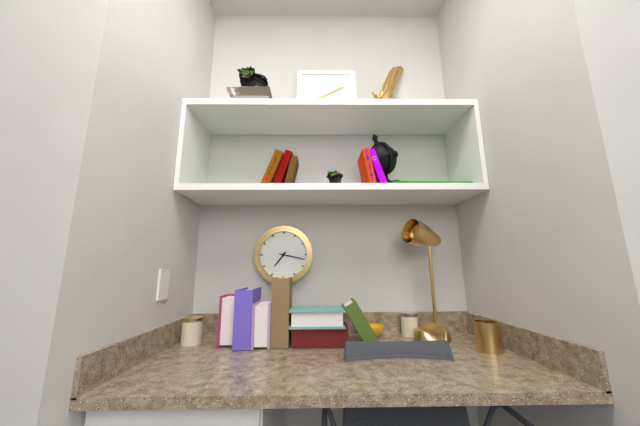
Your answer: 7,17
